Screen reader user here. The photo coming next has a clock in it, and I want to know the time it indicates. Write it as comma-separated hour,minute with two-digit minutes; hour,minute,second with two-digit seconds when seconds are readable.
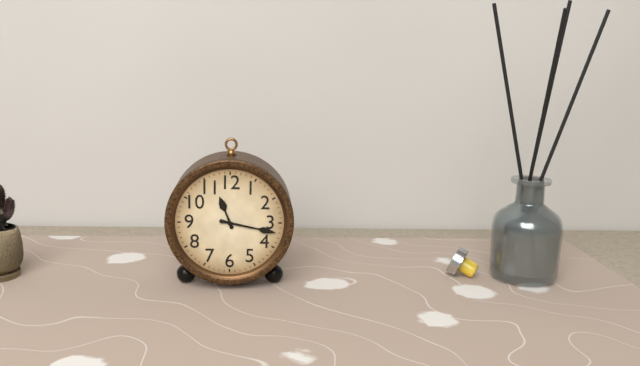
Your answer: 11,17
